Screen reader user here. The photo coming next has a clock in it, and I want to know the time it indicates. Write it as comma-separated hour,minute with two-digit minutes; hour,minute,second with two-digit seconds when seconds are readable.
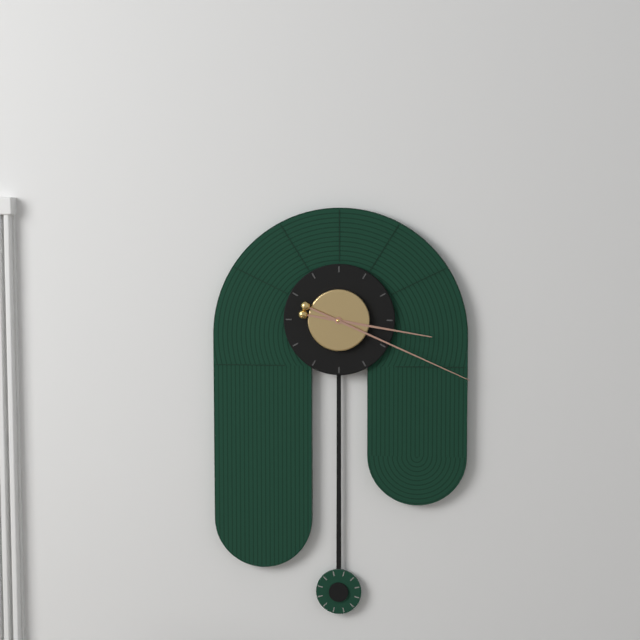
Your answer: 3,19
